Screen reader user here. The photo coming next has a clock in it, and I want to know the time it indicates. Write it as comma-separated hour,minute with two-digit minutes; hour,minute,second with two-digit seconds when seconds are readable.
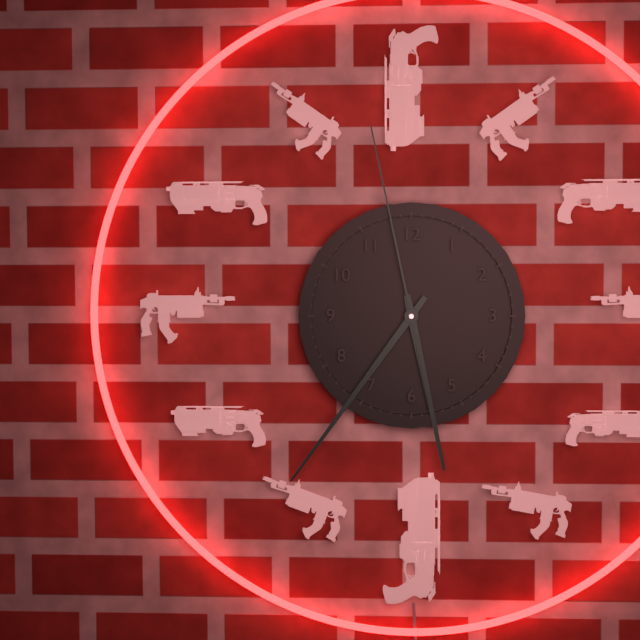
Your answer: 5,36,58
